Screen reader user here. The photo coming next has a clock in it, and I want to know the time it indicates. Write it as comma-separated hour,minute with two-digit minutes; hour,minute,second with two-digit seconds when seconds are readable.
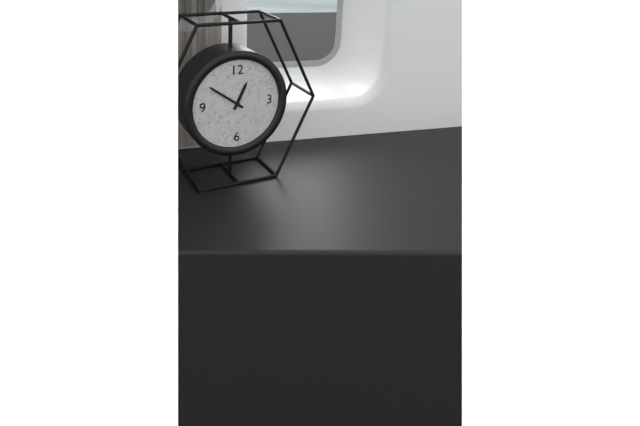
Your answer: 12,51
